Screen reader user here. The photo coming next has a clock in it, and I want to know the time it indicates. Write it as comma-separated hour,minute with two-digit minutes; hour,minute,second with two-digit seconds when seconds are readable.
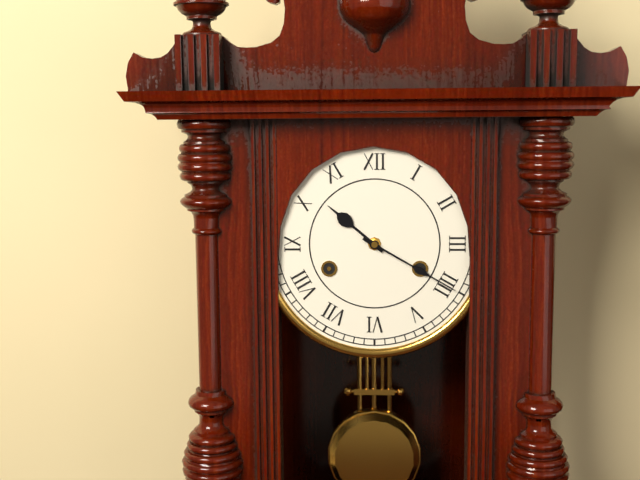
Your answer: 10,20
